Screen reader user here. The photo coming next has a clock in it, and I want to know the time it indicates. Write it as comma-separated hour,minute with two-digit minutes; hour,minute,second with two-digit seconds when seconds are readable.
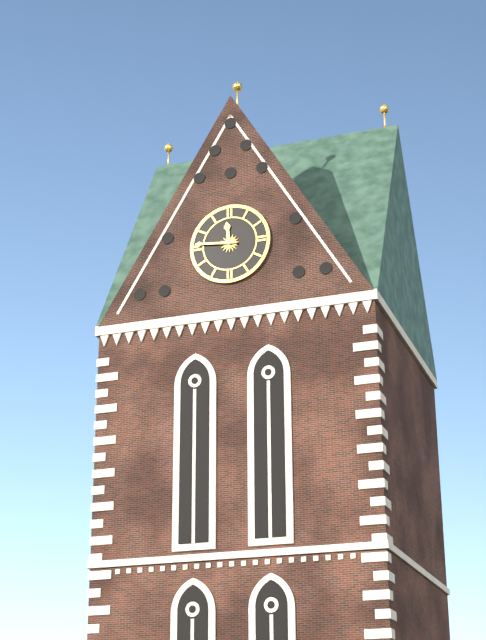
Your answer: 11,46
